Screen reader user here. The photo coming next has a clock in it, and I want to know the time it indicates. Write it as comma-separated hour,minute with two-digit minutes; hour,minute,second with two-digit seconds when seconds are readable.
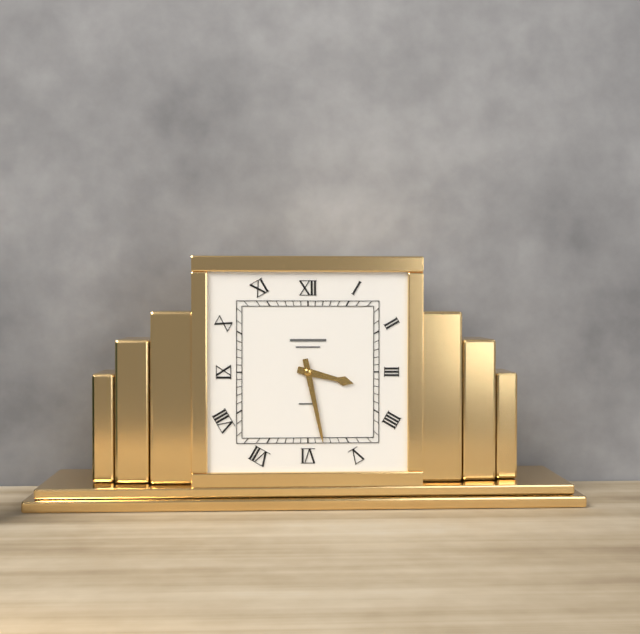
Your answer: 3,28
